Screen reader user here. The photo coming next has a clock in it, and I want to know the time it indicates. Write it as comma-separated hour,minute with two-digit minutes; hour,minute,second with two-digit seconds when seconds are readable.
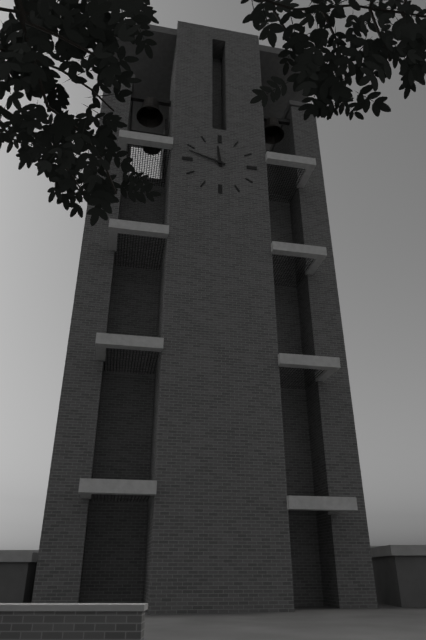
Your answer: 11,48
